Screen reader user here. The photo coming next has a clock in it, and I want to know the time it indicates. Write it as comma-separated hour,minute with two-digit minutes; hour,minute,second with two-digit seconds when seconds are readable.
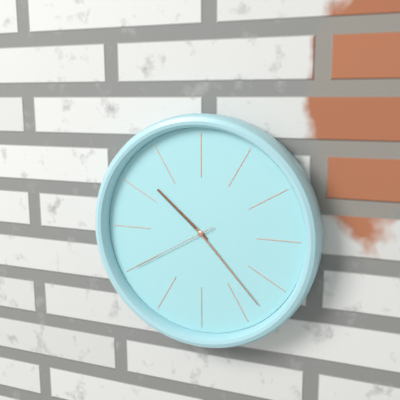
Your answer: 10,23,40
